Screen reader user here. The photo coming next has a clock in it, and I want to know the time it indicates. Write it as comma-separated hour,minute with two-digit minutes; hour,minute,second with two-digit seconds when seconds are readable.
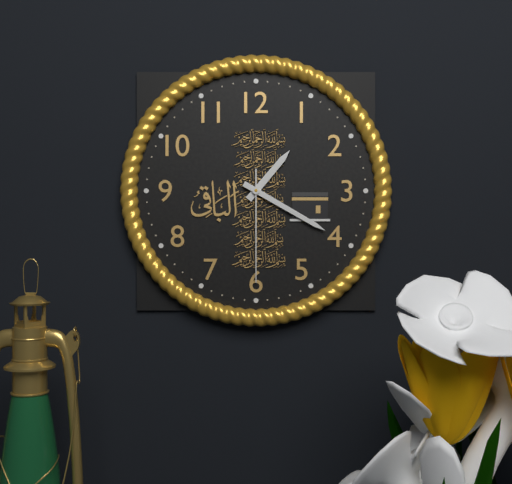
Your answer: 1,20,30
